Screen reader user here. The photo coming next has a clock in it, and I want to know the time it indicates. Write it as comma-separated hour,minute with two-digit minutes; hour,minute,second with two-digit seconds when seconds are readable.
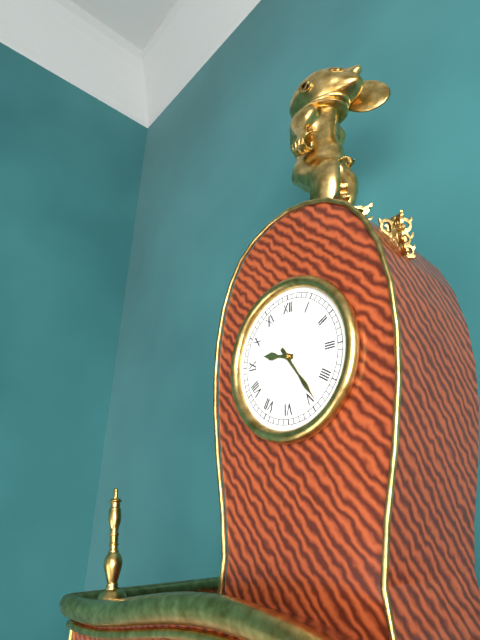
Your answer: 9,24
